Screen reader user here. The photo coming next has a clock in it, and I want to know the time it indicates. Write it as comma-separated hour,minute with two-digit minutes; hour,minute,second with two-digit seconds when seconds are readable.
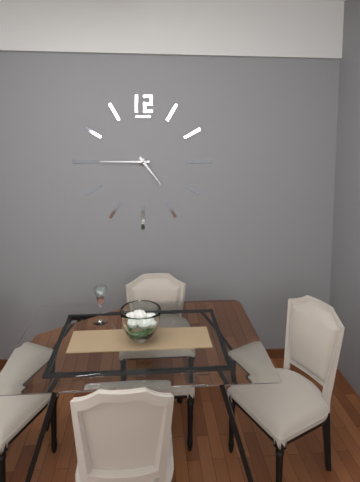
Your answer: 4,45
